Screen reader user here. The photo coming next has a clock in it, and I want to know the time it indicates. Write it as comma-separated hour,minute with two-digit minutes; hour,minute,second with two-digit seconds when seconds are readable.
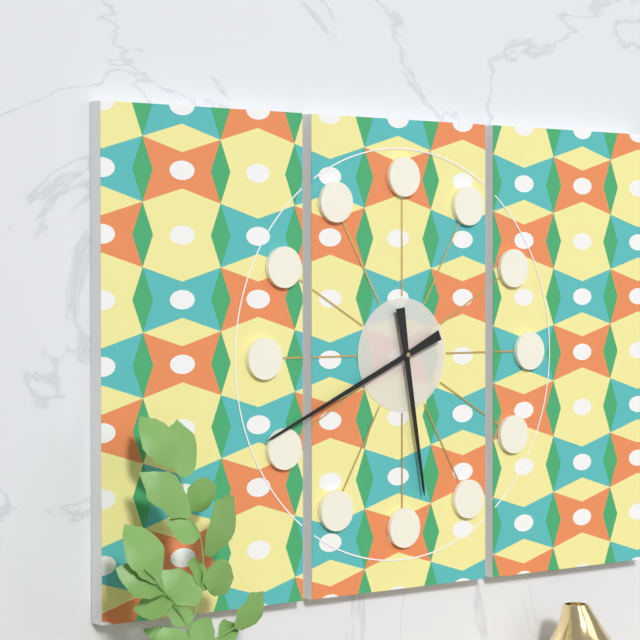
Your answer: 5,41
